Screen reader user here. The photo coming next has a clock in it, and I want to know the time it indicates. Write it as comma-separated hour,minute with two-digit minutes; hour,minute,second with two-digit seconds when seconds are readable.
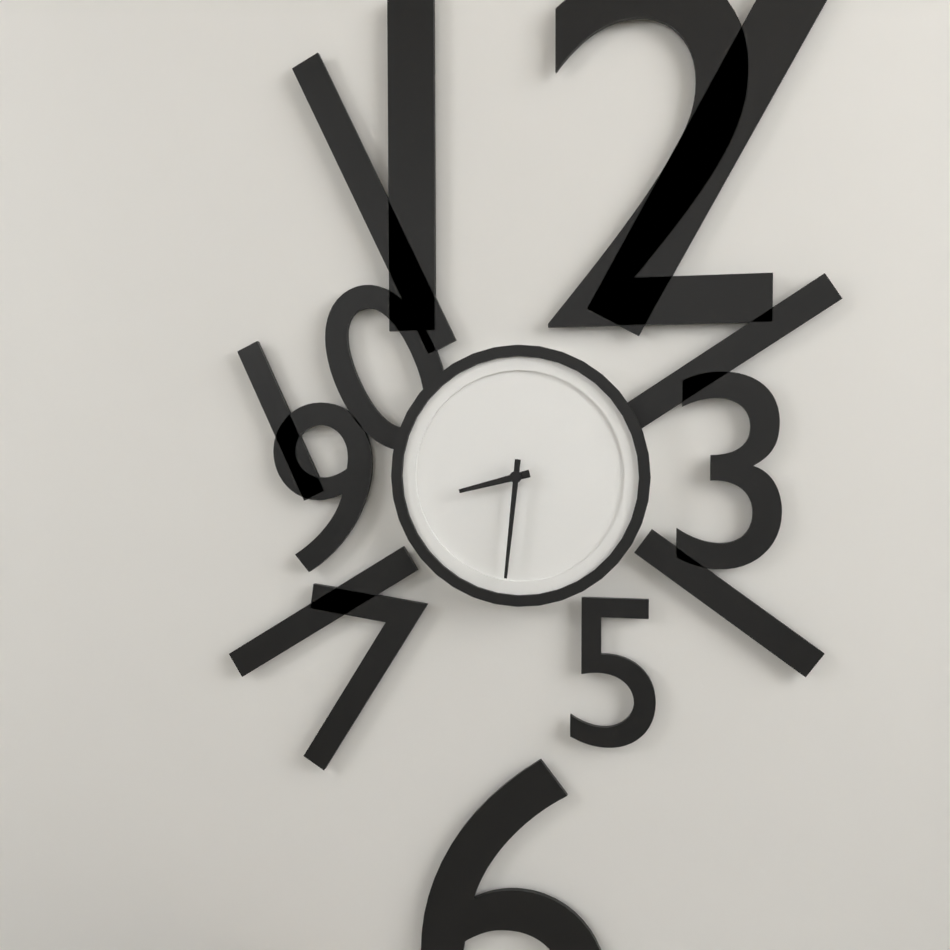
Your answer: 8,31
